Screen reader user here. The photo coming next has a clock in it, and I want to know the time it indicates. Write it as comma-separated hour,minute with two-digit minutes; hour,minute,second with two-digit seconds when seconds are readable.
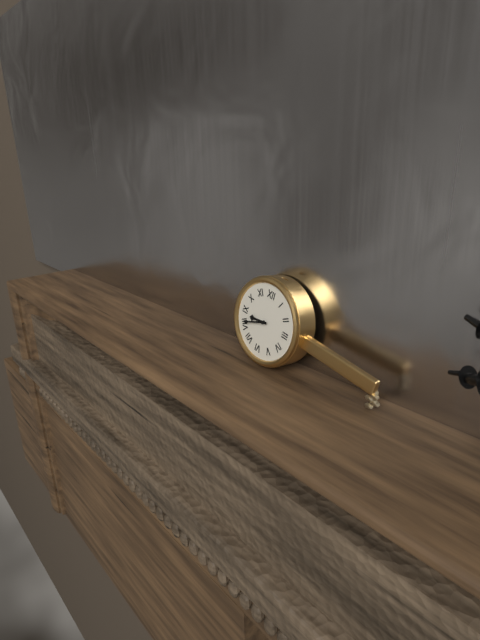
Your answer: 8,41
